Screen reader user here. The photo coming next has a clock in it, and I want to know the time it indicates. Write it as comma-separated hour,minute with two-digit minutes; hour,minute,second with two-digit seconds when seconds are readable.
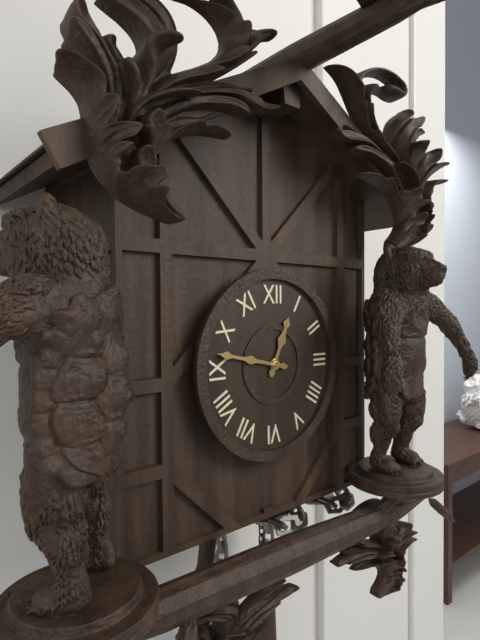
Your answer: 12,47
